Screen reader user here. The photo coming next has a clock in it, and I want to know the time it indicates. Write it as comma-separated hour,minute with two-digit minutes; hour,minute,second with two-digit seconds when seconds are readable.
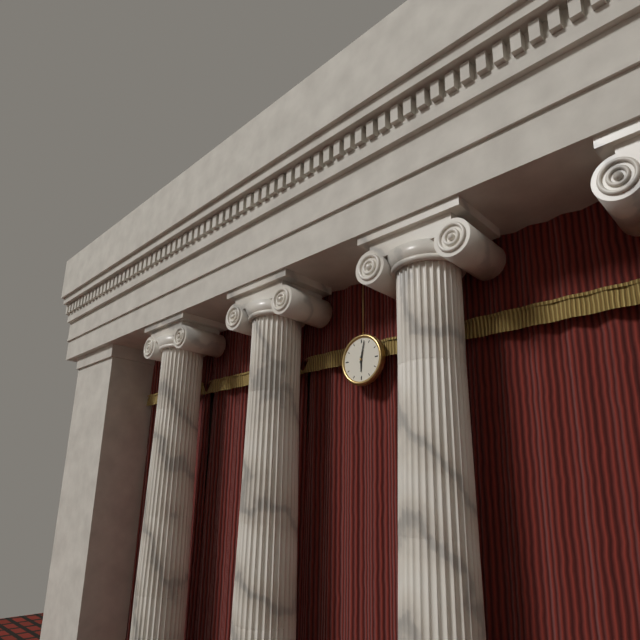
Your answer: 6,02
